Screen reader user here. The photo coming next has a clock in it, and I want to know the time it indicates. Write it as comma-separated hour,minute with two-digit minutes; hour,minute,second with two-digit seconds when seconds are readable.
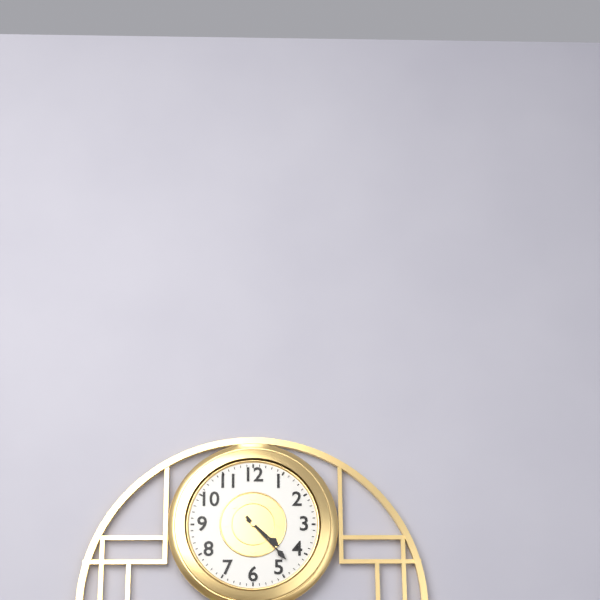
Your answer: 4,23
